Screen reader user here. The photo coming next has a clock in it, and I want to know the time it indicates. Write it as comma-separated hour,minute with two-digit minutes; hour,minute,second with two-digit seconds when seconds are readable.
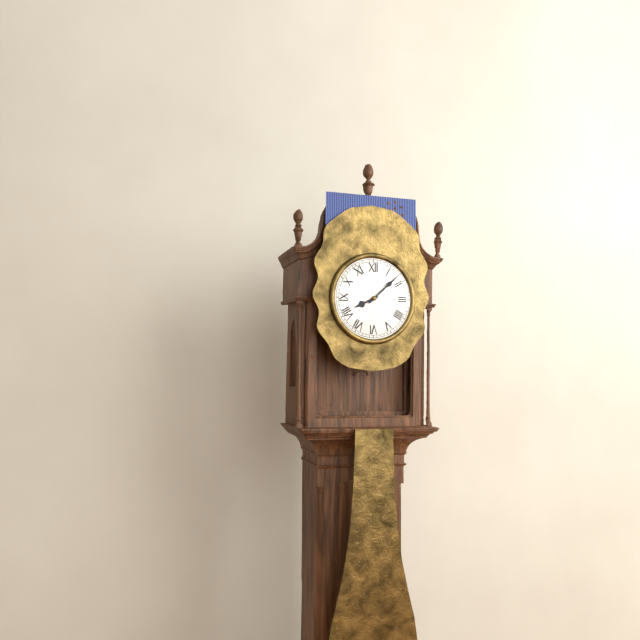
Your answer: 8,08
